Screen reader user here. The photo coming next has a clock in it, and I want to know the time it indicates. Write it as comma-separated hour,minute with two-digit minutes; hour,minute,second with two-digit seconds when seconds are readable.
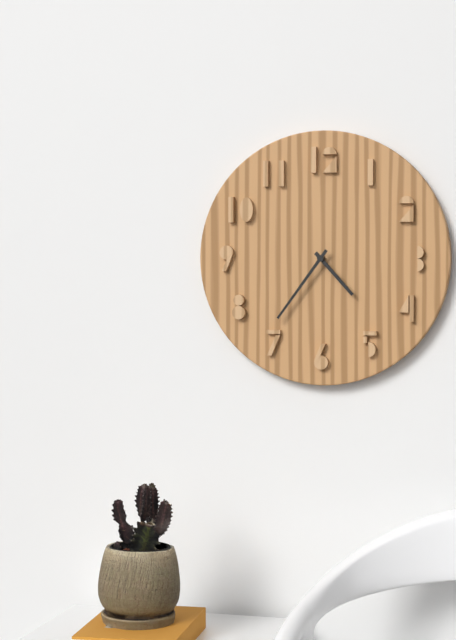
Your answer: 4,36
